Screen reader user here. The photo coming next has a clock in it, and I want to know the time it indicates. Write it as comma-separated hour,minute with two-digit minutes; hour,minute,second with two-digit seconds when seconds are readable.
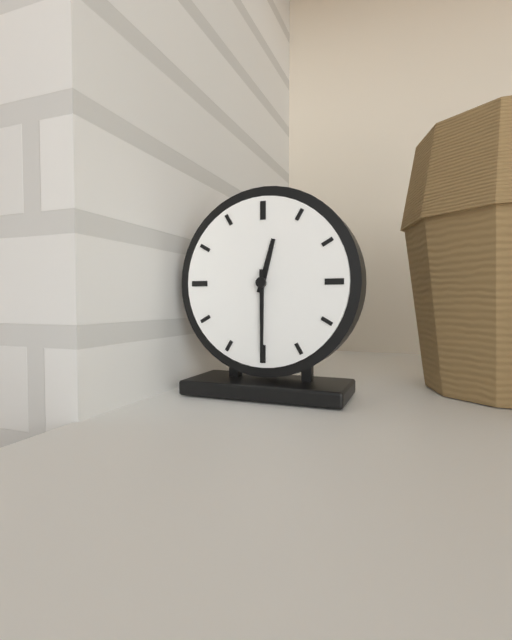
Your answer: 12,30
